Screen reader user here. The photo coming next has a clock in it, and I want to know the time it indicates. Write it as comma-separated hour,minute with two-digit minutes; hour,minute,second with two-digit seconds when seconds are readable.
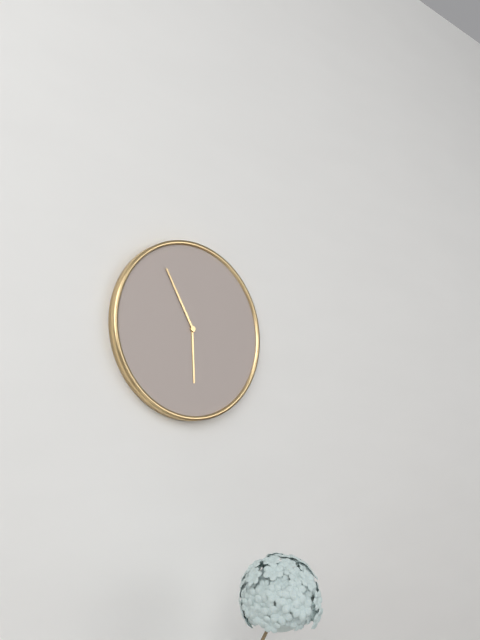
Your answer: 5,55
